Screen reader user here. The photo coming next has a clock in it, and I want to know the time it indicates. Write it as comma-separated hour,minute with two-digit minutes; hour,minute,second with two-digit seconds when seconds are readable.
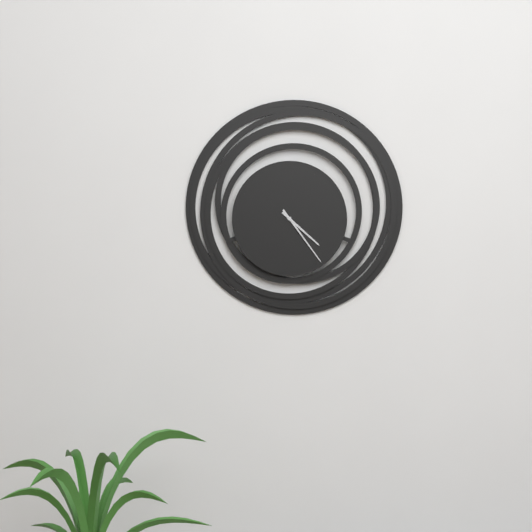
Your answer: 4,24
